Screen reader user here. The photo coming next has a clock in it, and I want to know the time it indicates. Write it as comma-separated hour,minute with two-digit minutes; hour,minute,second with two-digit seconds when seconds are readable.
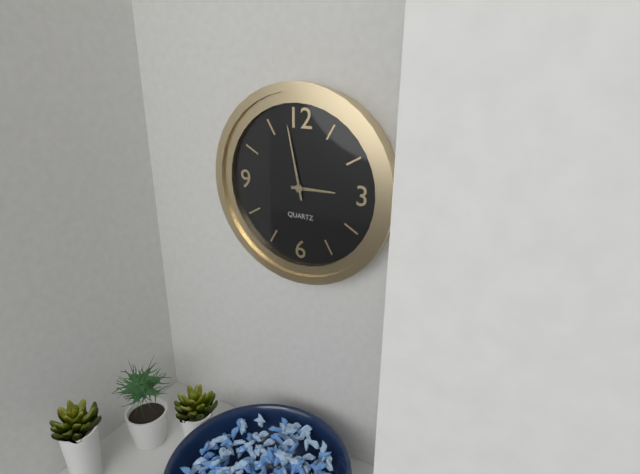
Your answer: 2,58
